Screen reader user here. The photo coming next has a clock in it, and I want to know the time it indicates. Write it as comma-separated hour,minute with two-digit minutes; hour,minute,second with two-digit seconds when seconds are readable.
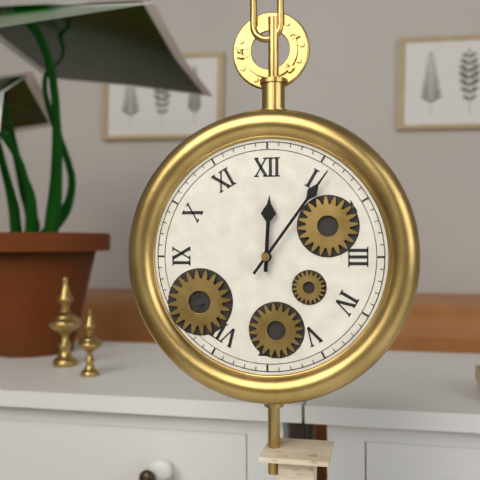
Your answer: 12,06
